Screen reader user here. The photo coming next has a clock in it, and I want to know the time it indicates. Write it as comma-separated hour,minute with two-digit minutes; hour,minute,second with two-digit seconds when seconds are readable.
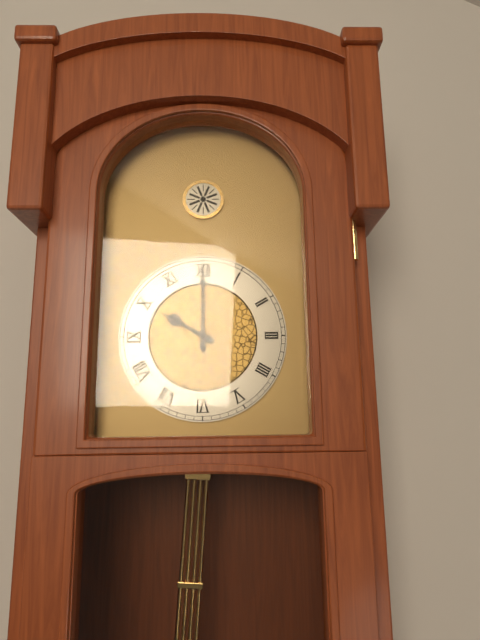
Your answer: 10,00
